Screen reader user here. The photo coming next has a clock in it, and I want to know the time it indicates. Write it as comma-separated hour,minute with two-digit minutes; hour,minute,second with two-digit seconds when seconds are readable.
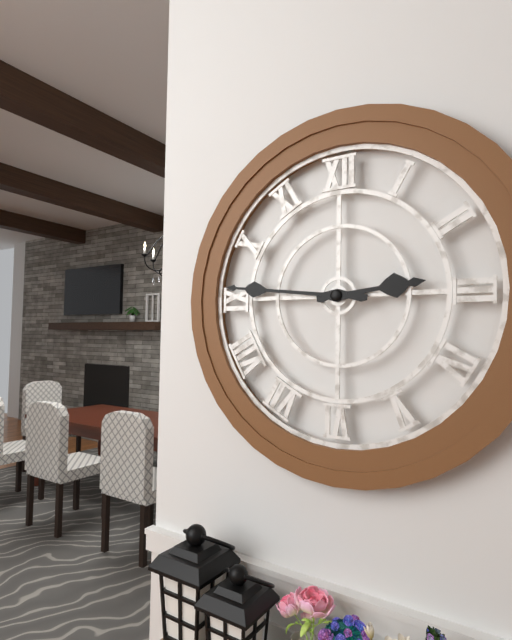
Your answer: 2,46
